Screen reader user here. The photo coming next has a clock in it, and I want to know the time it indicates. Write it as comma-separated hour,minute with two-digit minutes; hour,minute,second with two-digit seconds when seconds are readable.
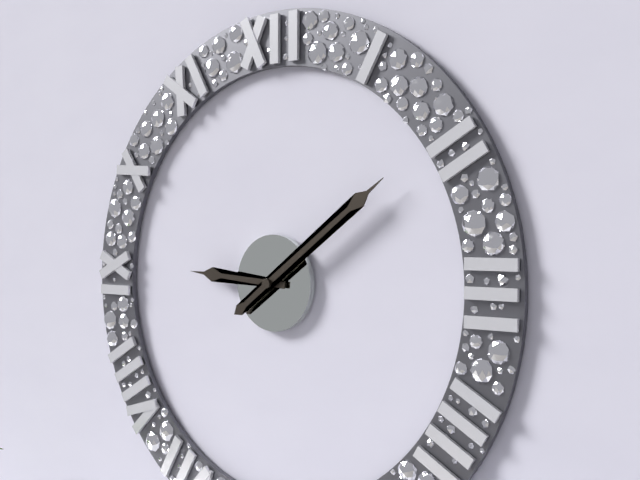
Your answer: 9,09
